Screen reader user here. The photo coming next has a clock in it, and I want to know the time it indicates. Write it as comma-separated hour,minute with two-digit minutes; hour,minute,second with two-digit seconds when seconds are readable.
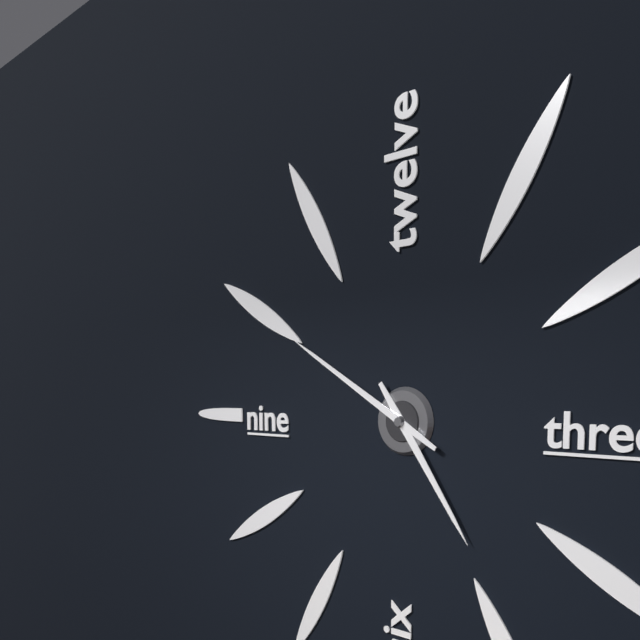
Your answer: 4,50
